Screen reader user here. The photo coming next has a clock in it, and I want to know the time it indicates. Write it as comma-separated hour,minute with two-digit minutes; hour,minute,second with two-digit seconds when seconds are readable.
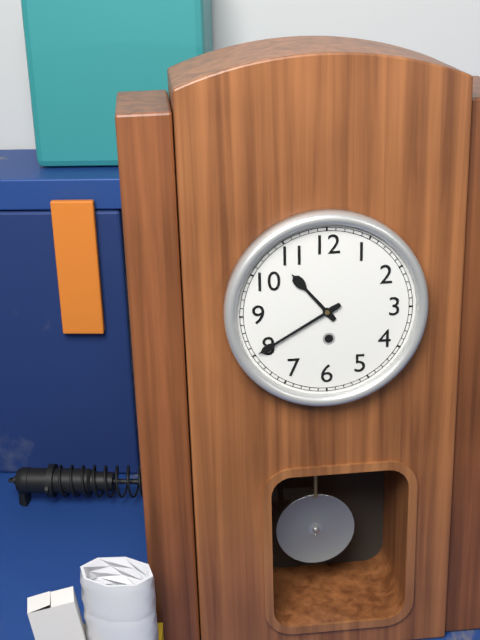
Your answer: 10,40
